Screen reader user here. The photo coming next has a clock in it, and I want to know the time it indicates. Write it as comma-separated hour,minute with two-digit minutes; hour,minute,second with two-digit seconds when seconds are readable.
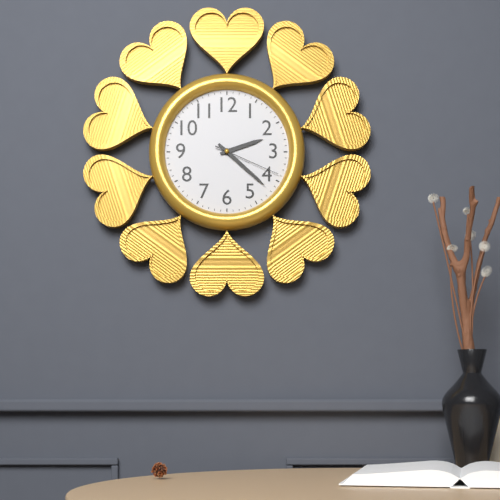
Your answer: 2,22,19
